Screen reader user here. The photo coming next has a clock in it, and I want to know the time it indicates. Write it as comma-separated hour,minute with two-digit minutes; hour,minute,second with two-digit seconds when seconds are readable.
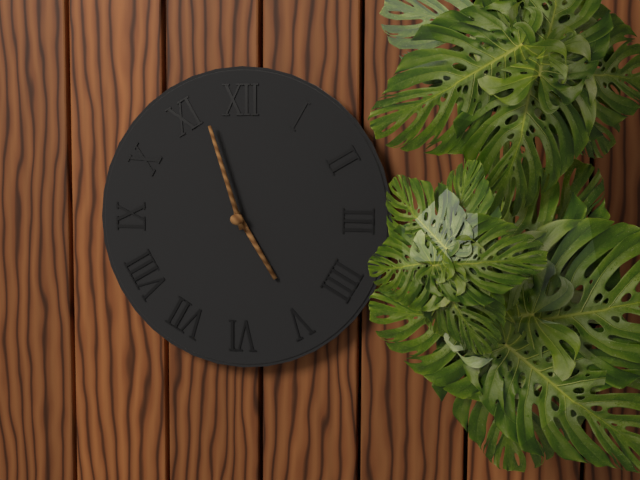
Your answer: 4,57
